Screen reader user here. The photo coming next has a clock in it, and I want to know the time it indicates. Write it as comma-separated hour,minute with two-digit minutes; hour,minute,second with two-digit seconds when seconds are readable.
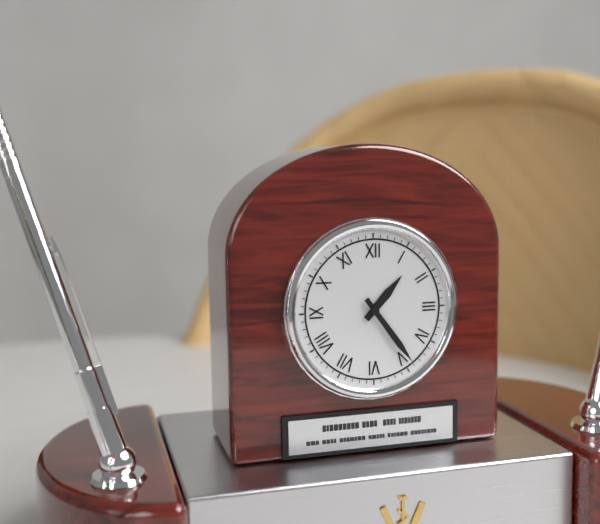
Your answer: 1,24
